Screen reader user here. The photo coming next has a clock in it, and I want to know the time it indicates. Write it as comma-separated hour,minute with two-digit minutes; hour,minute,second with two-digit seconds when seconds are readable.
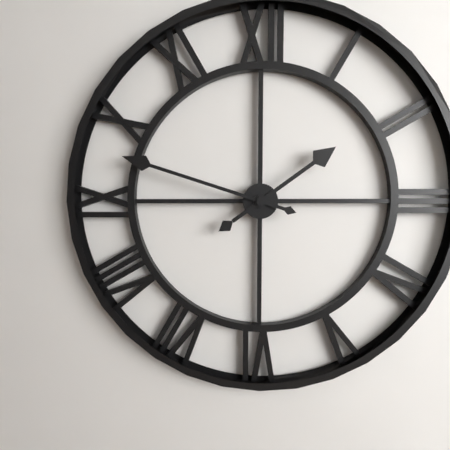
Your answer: 1,48
